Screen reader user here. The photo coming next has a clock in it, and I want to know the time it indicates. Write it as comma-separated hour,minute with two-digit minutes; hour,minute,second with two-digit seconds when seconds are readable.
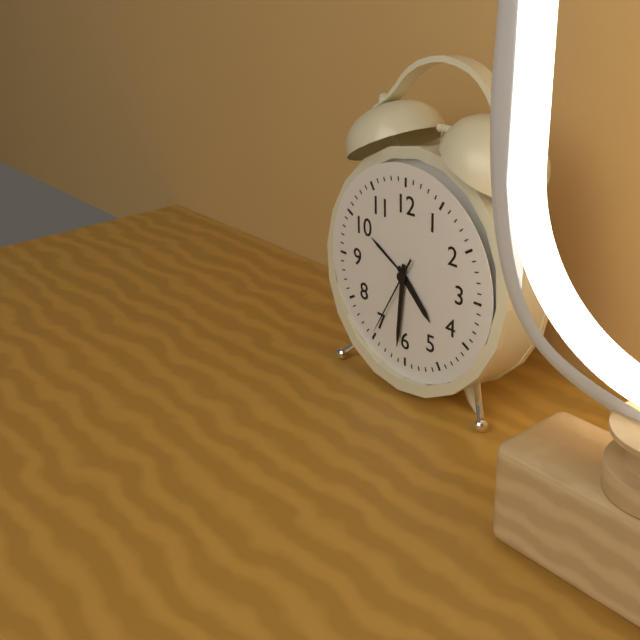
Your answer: 4,31,35
